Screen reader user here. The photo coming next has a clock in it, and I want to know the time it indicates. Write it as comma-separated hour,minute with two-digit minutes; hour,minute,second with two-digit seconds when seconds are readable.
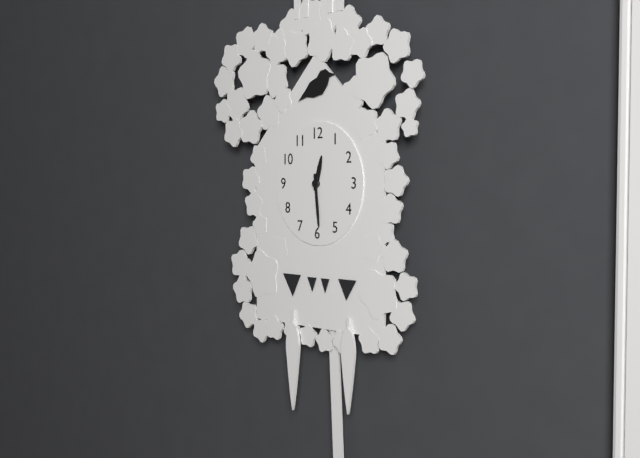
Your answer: 12,29
